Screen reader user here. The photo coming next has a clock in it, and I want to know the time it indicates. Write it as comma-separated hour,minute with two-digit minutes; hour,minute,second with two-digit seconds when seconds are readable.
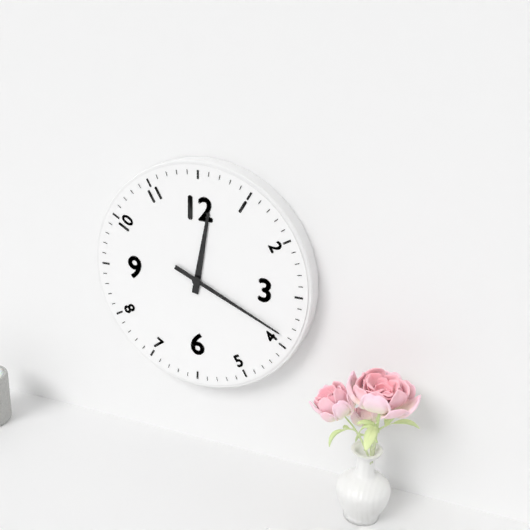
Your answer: 12,19
